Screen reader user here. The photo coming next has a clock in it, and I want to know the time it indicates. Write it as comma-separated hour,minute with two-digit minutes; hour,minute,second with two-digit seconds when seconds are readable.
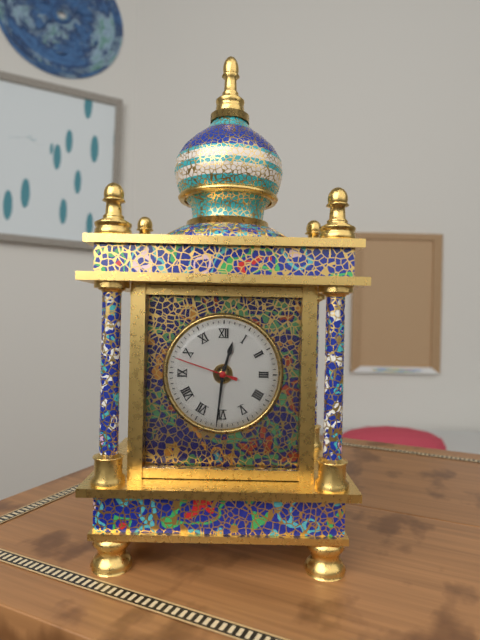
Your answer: 12,31,48
